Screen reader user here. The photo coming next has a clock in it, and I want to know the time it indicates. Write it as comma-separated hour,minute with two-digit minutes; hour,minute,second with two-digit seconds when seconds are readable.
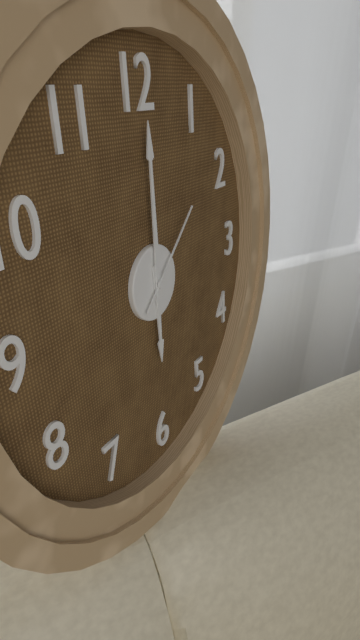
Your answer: 6,00,08
